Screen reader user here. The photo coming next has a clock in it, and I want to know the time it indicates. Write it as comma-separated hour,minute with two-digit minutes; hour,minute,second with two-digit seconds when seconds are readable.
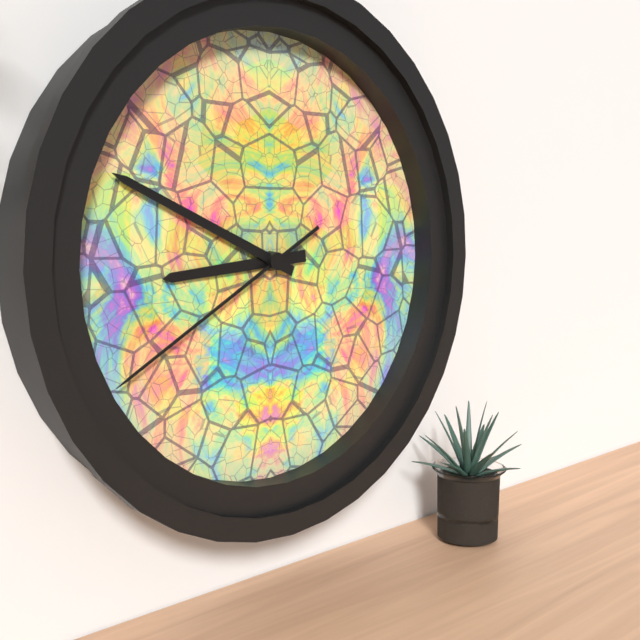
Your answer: 8,49,40
